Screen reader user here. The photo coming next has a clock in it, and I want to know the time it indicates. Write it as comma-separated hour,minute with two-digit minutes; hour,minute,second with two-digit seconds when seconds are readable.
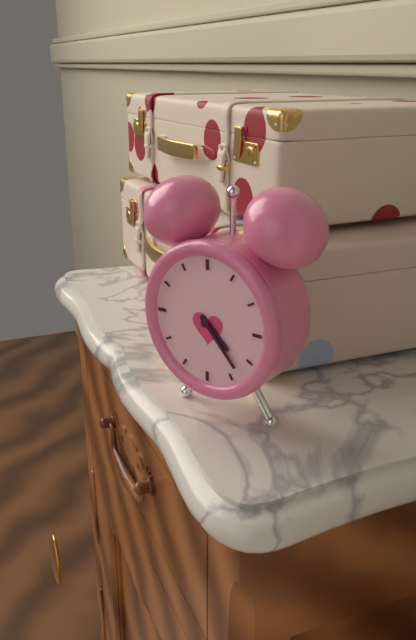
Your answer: 4,23
